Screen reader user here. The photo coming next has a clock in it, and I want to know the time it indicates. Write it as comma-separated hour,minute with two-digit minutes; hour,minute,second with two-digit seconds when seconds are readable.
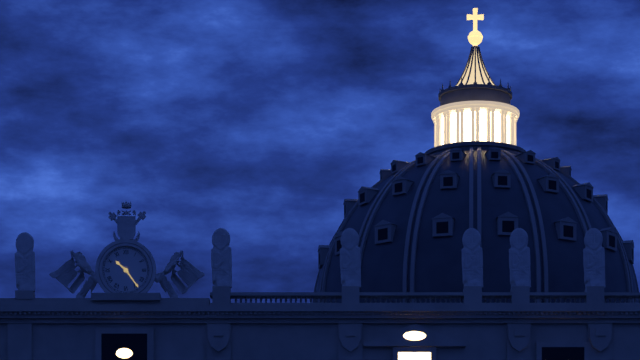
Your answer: 10,24
